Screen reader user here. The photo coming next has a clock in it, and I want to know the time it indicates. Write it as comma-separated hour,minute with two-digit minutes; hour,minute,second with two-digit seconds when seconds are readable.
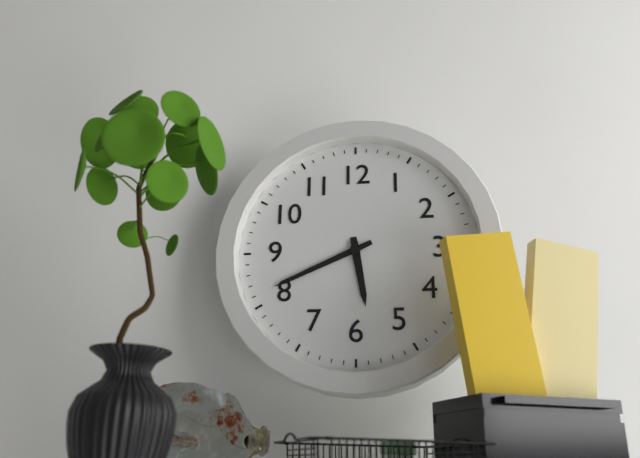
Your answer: 5,41
